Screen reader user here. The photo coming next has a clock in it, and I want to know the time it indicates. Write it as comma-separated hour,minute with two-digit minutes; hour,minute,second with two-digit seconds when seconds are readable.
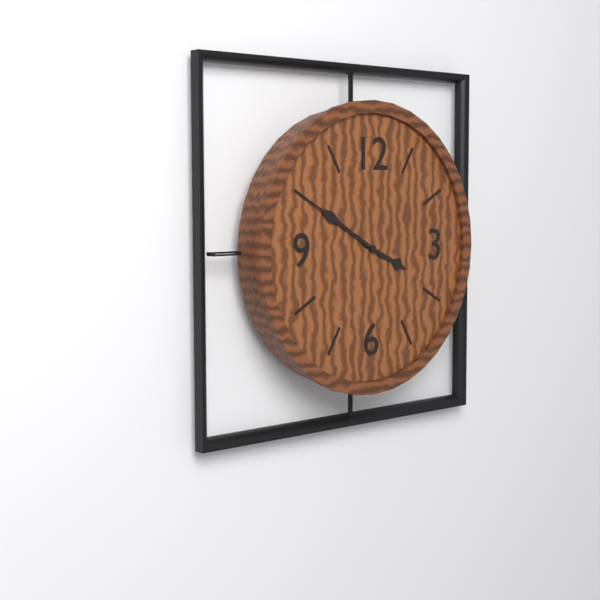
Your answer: 3,50
